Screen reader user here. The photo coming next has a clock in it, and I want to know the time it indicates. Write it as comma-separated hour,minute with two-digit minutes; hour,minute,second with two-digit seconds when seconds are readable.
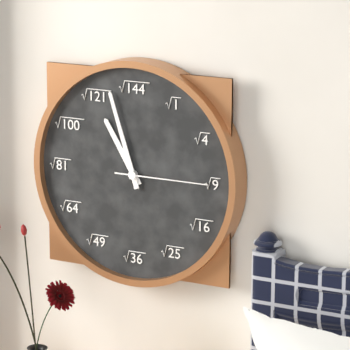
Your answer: 10,57,15
